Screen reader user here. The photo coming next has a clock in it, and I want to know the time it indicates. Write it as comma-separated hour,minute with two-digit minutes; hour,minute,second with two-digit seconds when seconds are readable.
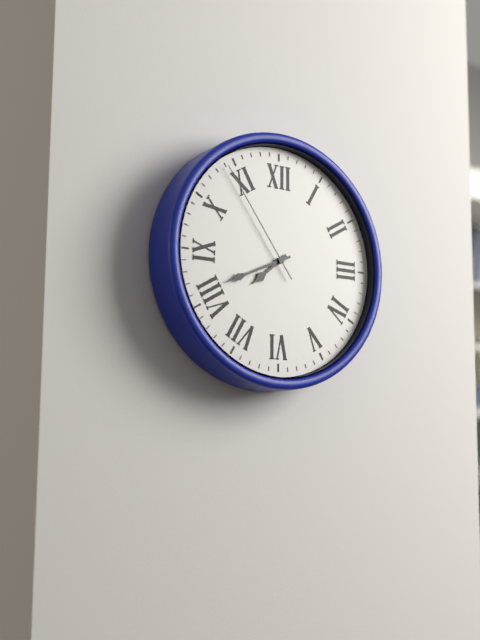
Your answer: 7,41,54
